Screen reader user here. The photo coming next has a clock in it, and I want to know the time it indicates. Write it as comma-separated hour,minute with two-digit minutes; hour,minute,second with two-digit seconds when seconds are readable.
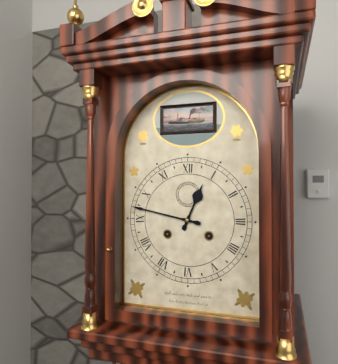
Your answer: 12,47
